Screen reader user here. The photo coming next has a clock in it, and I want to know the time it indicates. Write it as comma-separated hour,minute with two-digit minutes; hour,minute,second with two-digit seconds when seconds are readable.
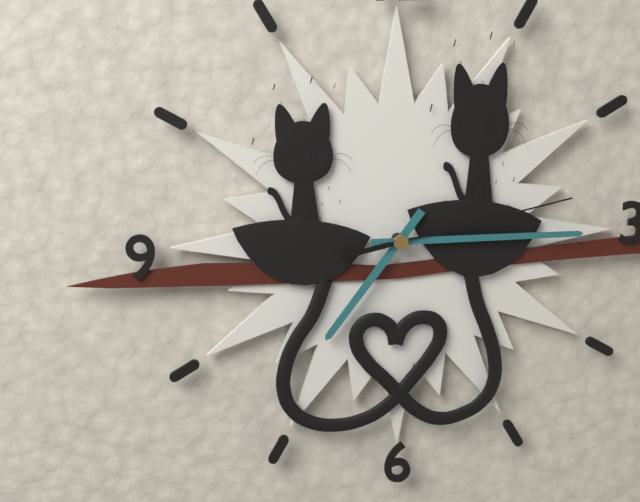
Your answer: 7,15,13
